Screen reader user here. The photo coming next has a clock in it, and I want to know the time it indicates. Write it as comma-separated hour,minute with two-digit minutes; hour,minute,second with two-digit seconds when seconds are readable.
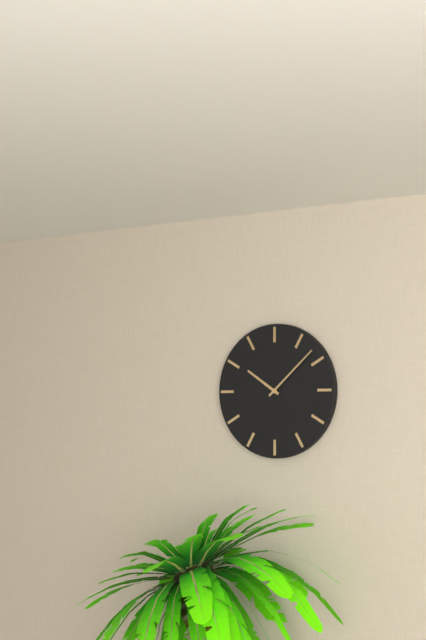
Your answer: 10,08
